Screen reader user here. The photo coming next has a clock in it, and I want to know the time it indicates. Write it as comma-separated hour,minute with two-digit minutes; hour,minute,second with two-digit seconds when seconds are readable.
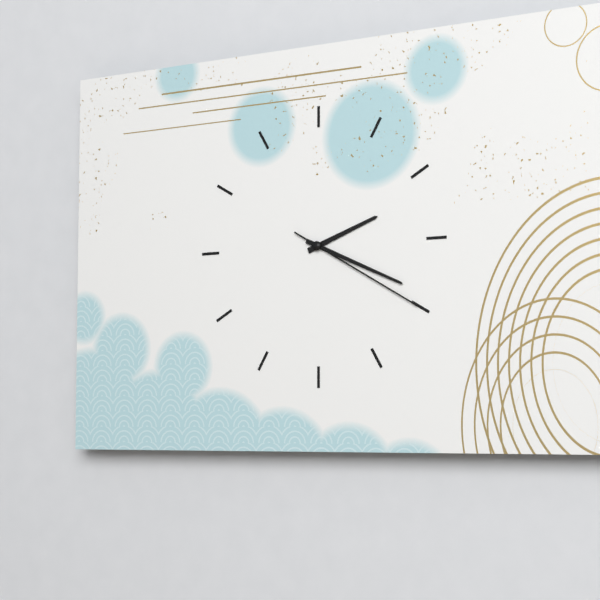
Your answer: 2,19,20
